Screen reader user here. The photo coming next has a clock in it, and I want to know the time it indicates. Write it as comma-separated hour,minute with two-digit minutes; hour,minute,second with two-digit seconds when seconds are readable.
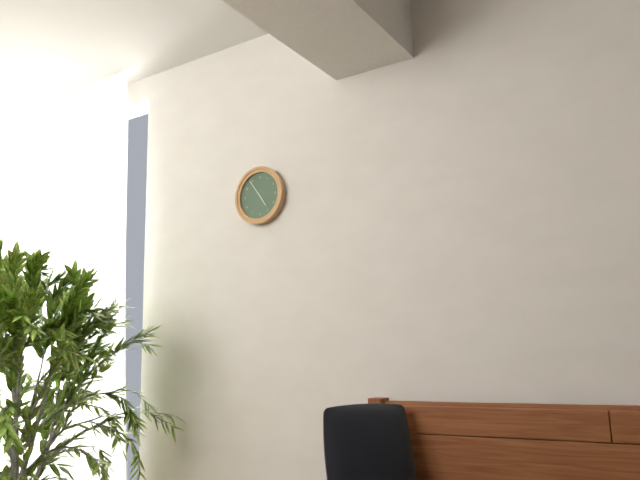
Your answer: 4,54
